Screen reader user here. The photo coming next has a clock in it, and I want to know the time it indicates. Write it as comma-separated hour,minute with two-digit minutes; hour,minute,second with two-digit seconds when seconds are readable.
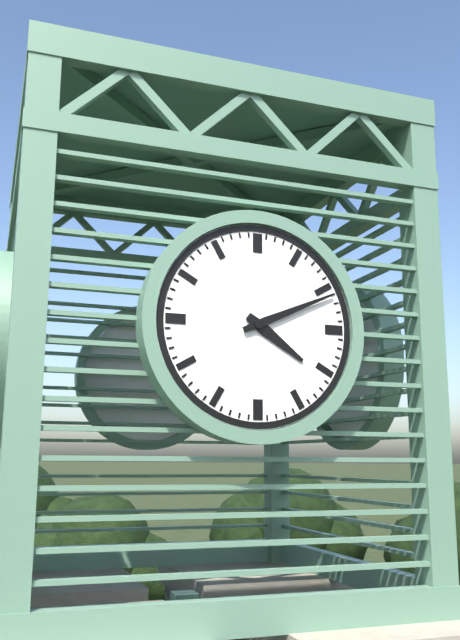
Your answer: 4,11
